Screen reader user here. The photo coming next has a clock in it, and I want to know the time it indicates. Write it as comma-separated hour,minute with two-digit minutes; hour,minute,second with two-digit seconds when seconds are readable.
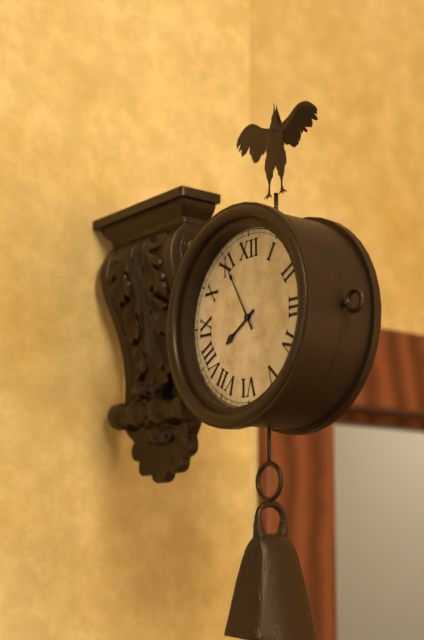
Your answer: 7,55
